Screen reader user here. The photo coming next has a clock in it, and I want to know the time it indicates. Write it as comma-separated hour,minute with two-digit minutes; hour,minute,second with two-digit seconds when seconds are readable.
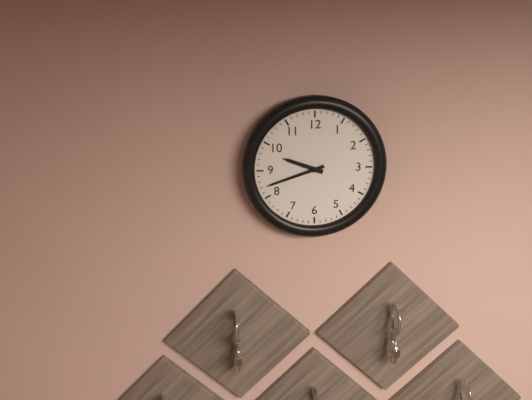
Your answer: 9,42
